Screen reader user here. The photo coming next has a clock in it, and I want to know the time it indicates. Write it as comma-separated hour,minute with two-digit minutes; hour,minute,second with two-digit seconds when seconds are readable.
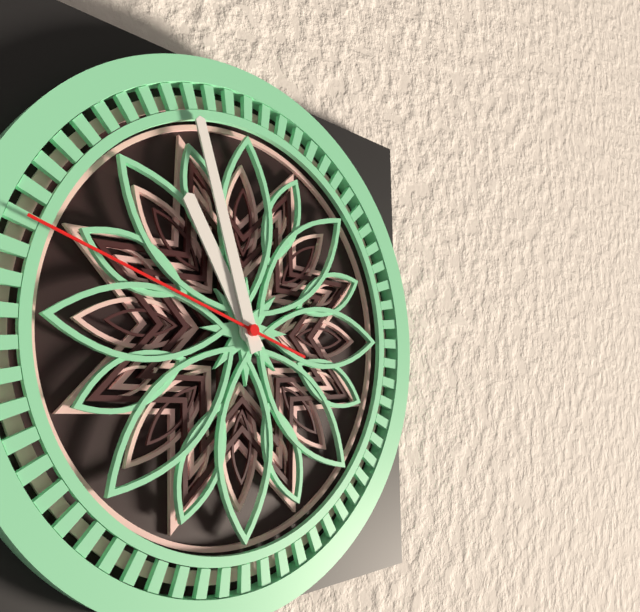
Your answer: 10,57,48
